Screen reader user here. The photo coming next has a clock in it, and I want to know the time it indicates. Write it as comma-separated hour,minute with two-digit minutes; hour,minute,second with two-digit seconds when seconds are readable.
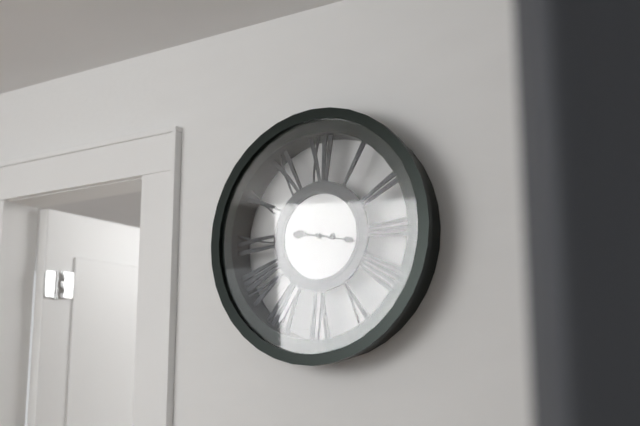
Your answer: 9,17
